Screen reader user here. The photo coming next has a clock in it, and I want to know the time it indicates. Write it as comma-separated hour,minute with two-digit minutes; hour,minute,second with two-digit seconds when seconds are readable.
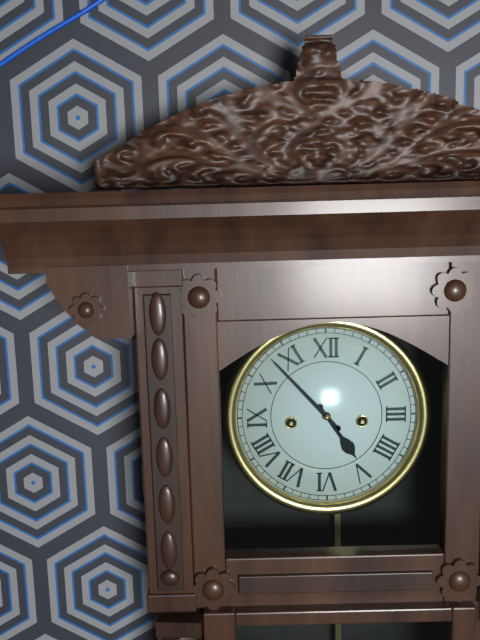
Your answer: 4,53
